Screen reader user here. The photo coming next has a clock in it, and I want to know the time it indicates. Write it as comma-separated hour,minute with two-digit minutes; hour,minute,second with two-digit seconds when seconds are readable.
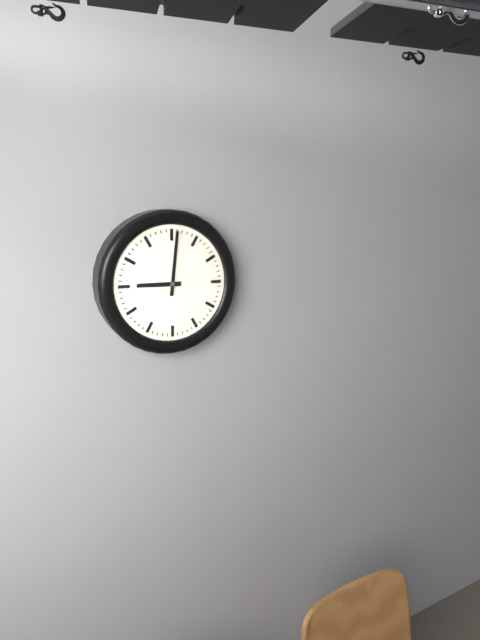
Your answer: 9,01
